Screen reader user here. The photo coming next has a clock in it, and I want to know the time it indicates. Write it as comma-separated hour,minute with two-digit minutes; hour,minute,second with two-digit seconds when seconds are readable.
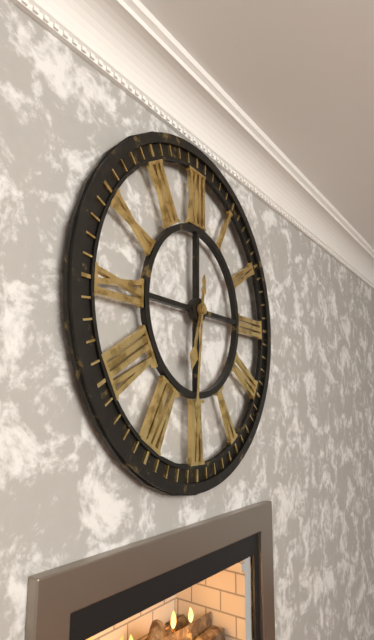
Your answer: 6,31
